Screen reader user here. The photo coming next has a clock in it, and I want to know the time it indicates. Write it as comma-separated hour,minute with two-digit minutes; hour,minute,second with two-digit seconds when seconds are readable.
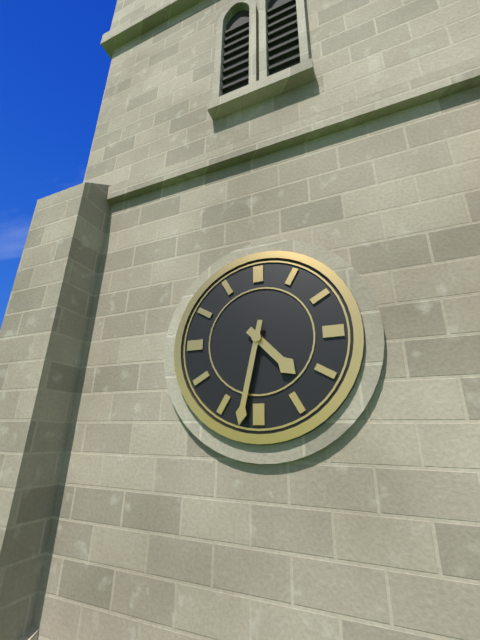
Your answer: 4,32
